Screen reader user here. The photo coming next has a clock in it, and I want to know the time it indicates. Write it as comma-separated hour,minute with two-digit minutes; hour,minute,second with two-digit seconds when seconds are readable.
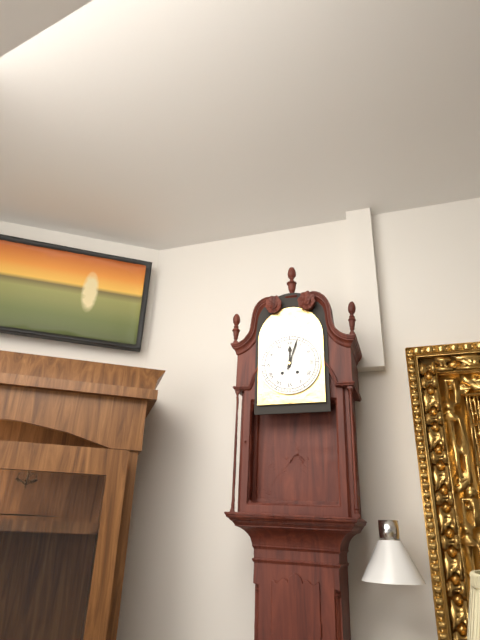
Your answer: 12,03
